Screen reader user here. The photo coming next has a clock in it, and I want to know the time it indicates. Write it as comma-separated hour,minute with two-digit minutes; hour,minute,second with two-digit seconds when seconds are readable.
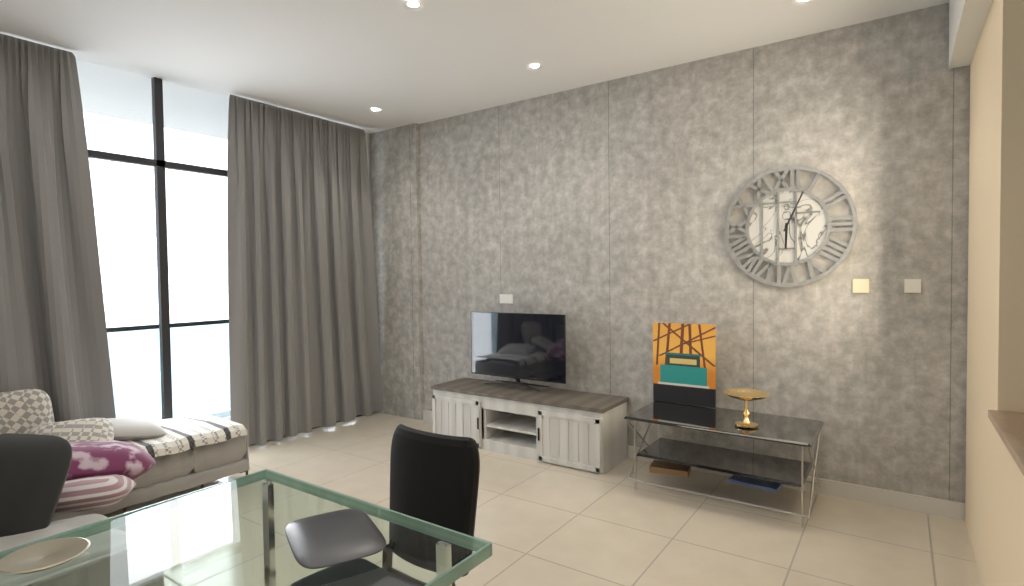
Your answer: 6,04
